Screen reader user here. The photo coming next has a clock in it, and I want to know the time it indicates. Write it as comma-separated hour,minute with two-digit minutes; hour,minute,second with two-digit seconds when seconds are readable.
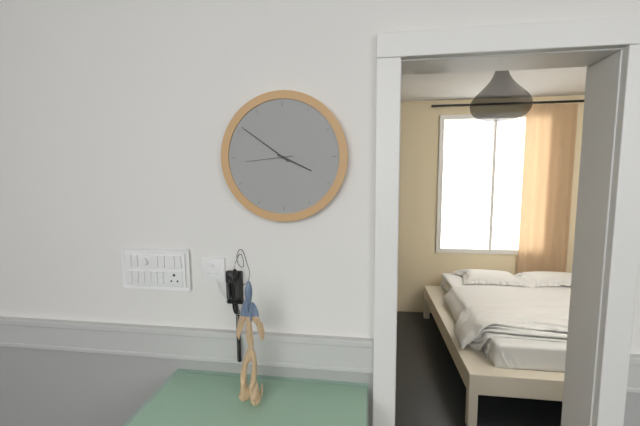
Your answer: 3,51
